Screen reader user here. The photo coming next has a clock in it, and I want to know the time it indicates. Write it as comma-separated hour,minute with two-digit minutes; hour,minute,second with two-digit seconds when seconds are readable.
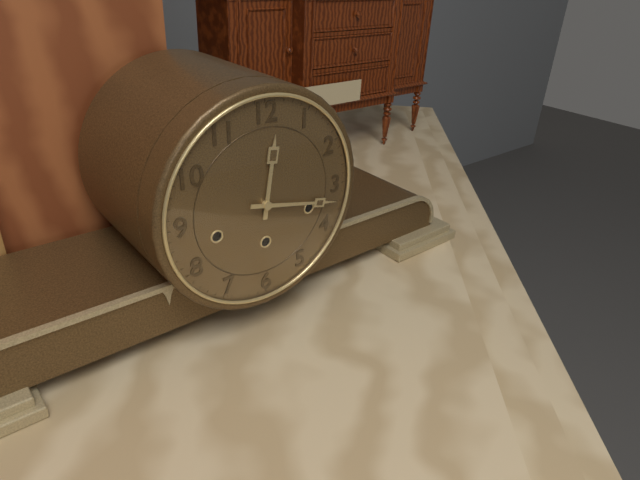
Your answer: 12,17
